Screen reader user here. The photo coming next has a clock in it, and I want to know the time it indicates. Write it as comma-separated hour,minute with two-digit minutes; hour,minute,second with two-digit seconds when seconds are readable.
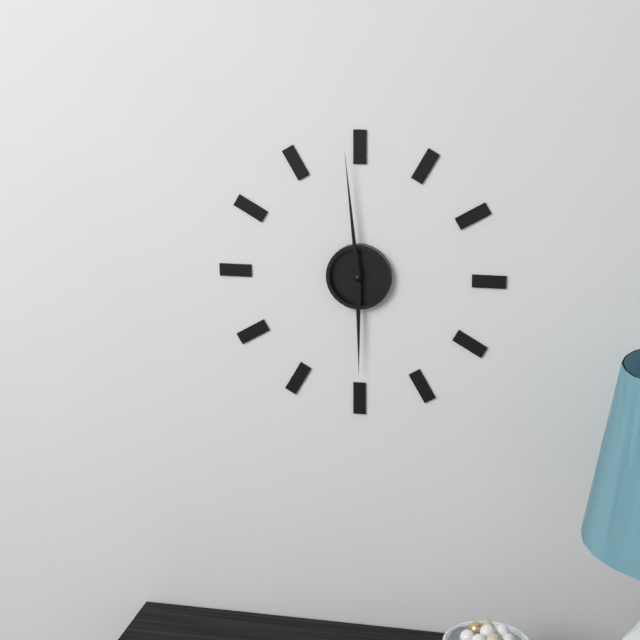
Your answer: 5,59
